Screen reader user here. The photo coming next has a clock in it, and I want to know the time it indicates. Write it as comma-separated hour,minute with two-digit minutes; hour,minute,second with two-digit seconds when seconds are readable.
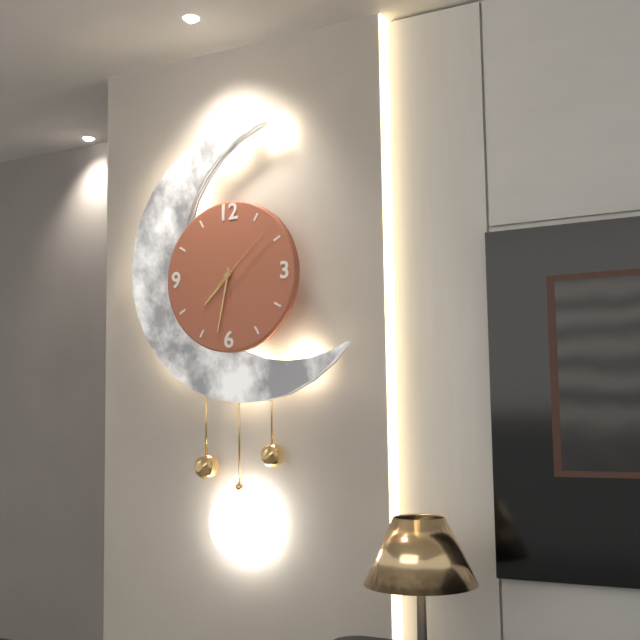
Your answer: 7,32,08
